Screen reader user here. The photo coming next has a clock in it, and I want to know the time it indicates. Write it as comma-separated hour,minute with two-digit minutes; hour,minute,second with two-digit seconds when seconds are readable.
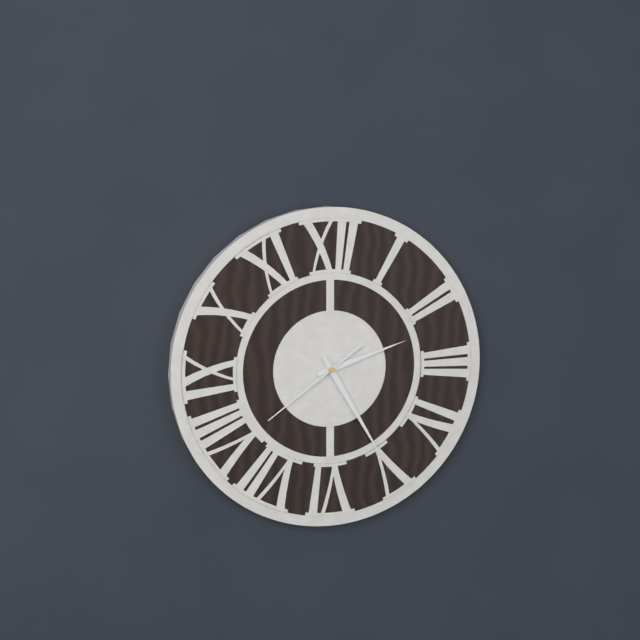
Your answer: 2,25,39
